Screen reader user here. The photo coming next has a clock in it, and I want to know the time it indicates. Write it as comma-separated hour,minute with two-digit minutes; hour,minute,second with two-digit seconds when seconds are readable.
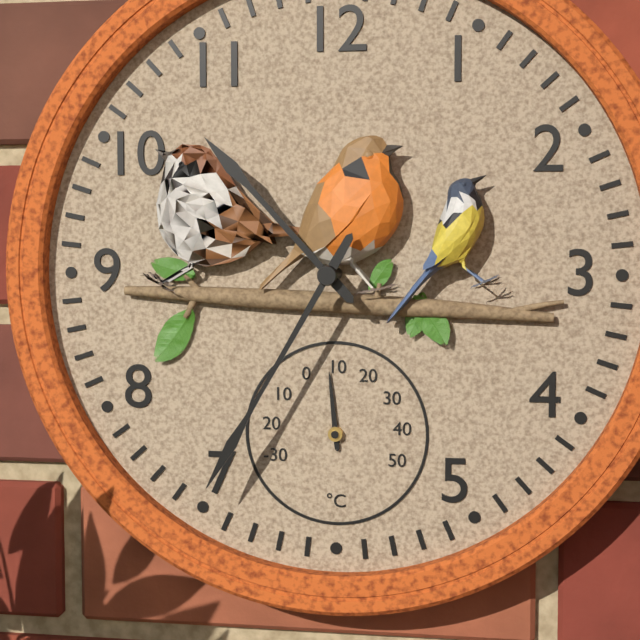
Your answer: 10,35
